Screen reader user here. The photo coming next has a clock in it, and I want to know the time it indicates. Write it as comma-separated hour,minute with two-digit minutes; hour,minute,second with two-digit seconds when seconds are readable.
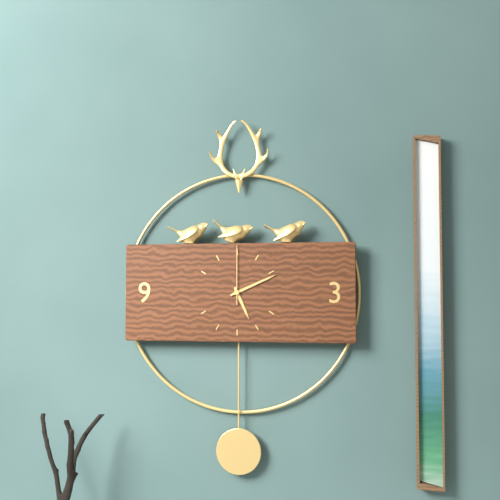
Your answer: 5,11,00
